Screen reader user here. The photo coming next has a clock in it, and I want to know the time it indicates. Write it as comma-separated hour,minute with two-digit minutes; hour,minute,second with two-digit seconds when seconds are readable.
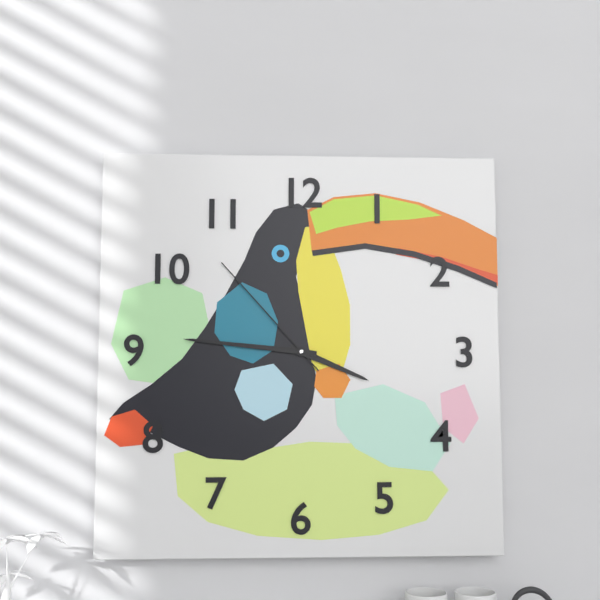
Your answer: 3,46,53
